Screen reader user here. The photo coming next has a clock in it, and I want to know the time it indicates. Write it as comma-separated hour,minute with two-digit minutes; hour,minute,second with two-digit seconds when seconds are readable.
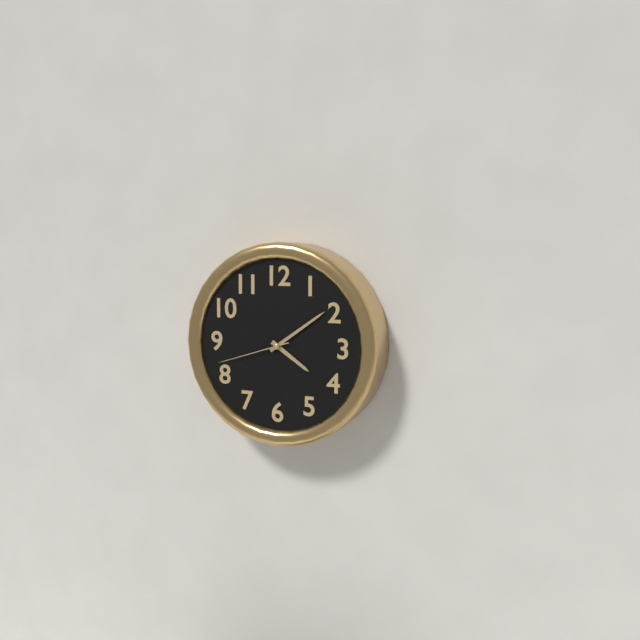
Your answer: 4,09,42
